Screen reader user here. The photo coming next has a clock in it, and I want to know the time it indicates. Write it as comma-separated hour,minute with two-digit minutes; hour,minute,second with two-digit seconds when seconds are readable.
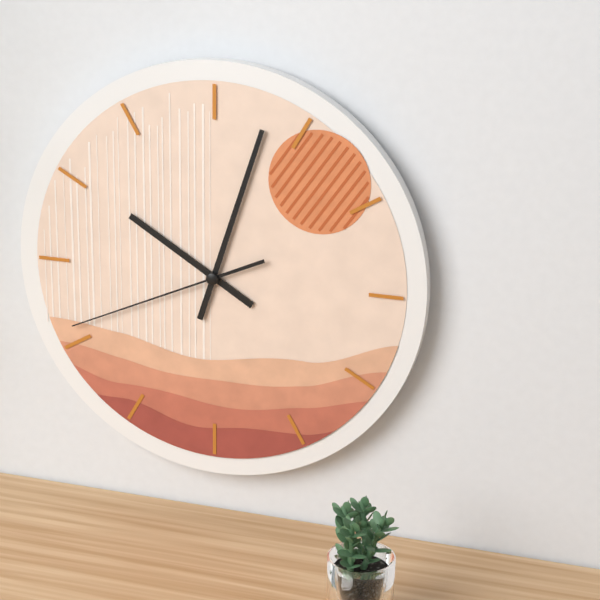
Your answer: 10,03,41
